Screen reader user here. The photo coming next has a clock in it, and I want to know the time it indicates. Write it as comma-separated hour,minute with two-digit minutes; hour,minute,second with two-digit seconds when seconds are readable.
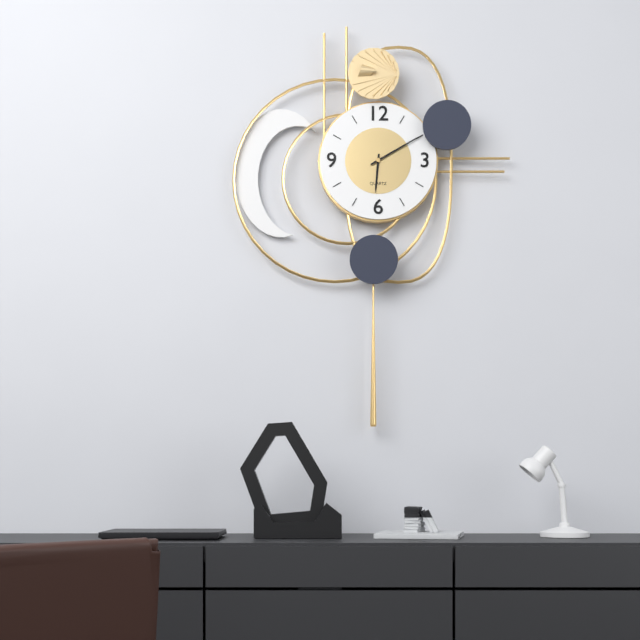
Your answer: 6,10
